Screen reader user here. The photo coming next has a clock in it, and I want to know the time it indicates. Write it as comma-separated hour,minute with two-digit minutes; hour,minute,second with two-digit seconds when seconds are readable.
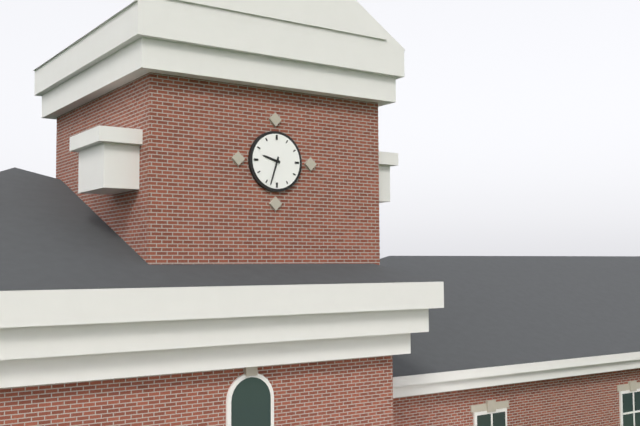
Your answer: 9,33
